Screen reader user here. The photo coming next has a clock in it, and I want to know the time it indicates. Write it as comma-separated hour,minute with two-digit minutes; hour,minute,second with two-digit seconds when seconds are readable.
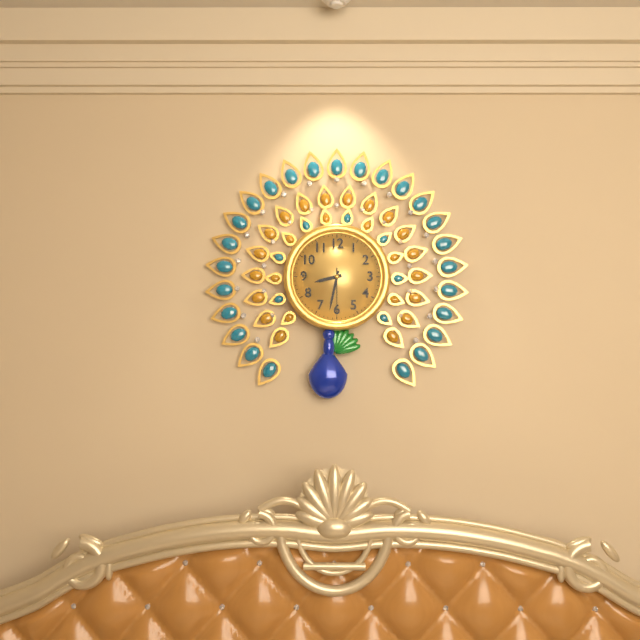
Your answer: 8,32
